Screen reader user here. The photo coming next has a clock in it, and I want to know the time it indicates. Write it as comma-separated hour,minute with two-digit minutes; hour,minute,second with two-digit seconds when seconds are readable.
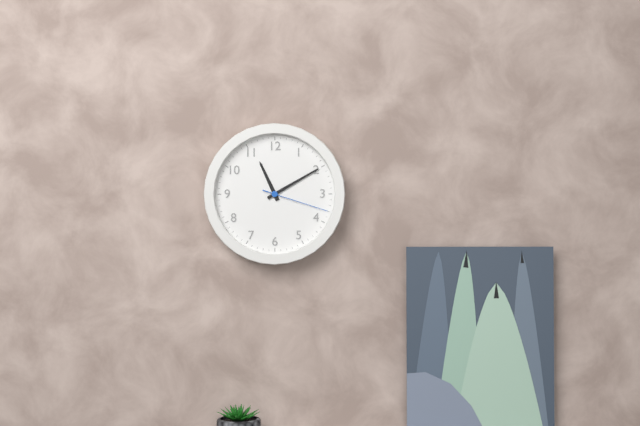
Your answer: 11,10,18
